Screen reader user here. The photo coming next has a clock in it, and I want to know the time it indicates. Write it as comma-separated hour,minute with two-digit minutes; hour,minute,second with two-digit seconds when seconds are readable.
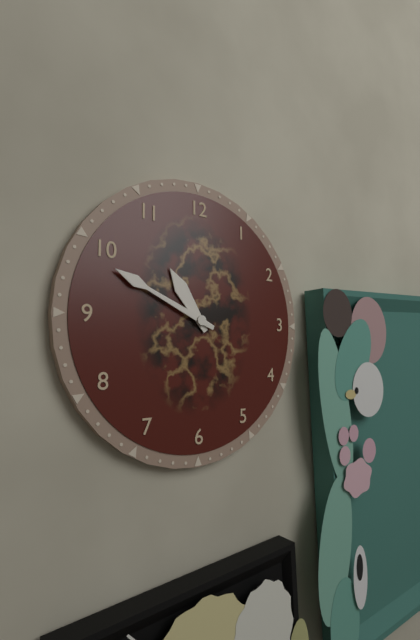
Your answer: 10,49
